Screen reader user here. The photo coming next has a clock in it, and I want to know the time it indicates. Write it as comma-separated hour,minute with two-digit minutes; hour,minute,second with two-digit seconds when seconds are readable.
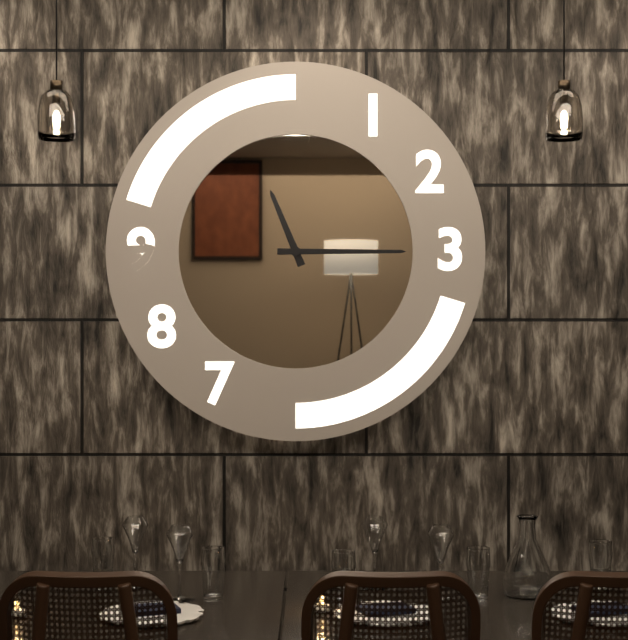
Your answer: 11,15
